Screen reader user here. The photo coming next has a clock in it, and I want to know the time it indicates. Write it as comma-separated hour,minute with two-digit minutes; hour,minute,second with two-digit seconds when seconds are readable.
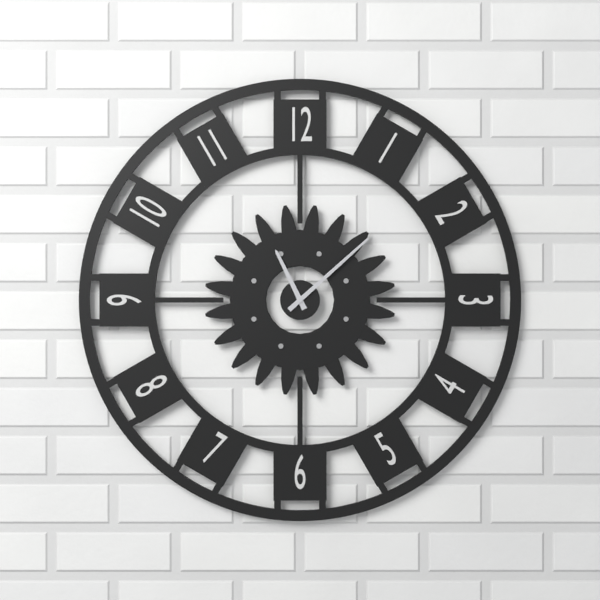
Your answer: 11,08
